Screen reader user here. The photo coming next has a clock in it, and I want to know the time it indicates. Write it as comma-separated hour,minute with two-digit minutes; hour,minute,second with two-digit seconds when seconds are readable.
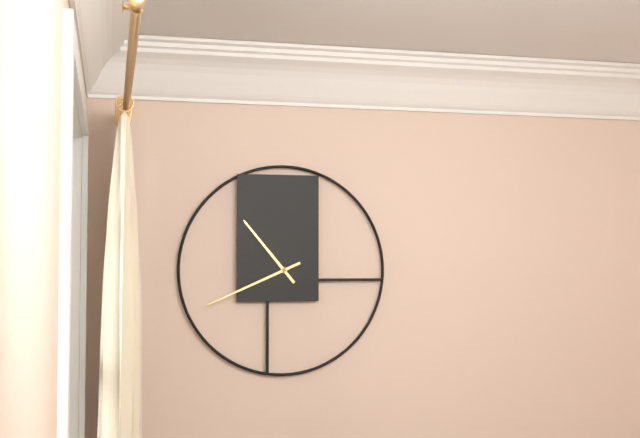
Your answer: 10,41
